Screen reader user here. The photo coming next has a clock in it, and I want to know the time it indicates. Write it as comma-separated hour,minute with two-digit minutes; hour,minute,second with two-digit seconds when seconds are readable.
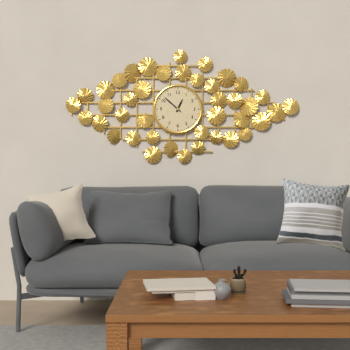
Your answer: 12,52
